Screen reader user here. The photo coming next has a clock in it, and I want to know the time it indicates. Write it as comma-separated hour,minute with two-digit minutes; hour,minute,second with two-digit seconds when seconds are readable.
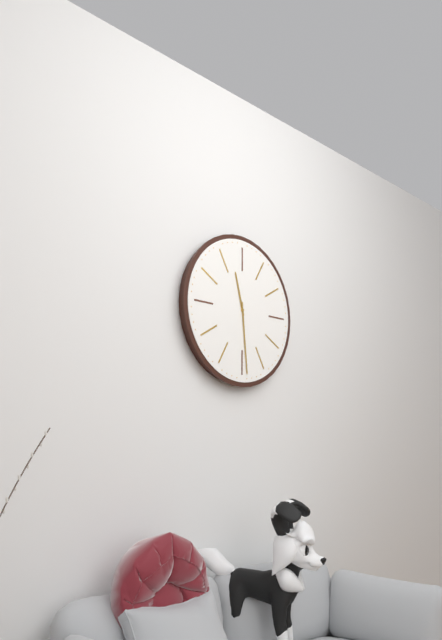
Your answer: 11,29
